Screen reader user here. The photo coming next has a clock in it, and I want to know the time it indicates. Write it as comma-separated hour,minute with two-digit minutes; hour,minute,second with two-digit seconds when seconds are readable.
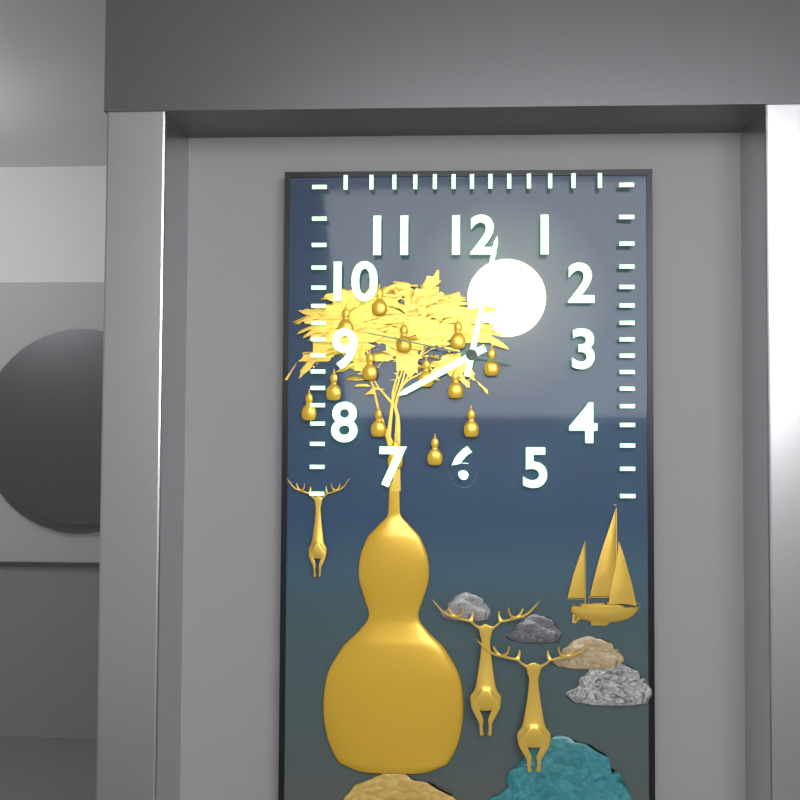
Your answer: 8,02,47
